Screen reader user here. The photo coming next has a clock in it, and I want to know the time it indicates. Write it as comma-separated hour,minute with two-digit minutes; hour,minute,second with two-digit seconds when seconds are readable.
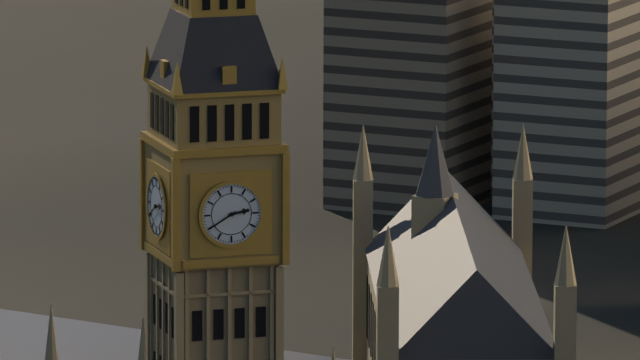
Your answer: 2,40
